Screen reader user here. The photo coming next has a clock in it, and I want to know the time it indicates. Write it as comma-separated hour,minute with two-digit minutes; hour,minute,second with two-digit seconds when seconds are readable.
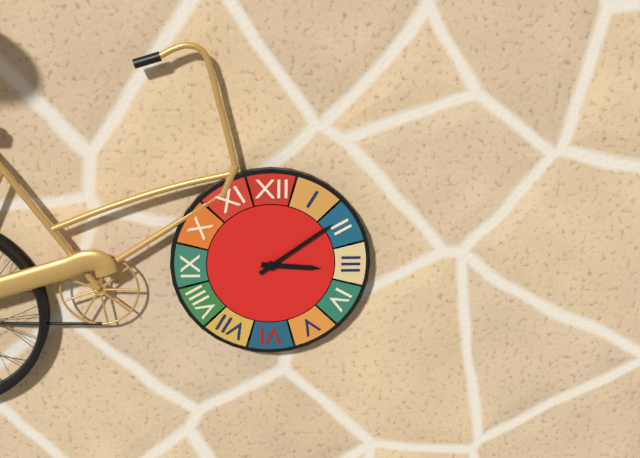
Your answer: 3,09
